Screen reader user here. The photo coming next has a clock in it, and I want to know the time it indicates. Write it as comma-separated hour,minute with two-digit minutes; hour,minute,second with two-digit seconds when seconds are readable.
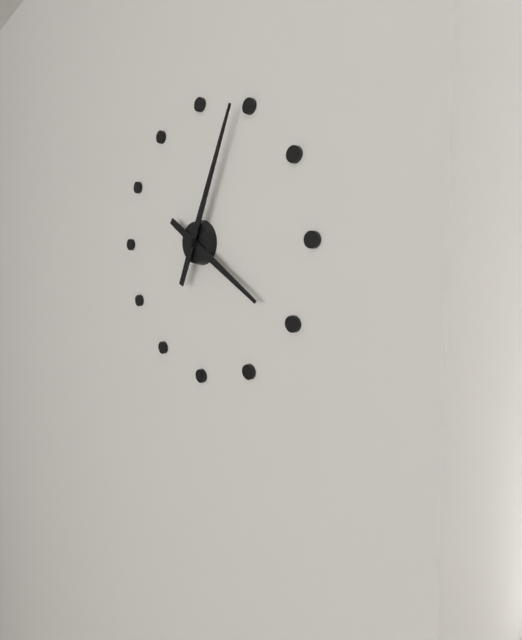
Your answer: 4,04
